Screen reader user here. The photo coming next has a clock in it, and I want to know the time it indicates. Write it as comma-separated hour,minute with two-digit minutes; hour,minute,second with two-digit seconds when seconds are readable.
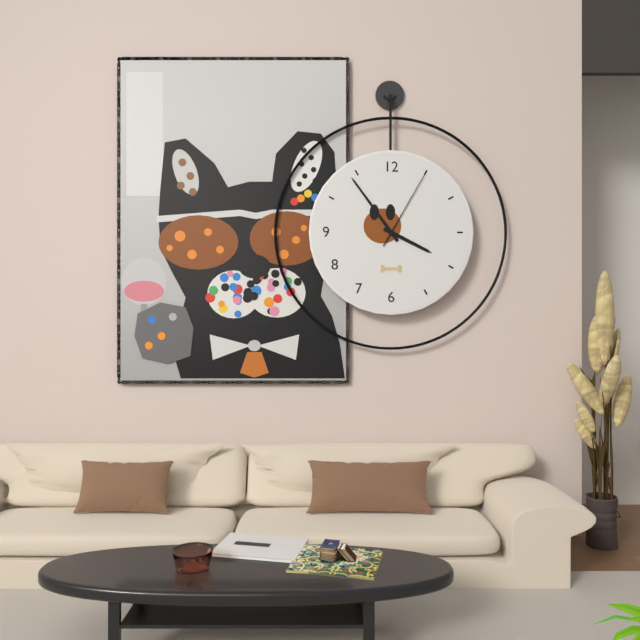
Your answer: 3,54,05
